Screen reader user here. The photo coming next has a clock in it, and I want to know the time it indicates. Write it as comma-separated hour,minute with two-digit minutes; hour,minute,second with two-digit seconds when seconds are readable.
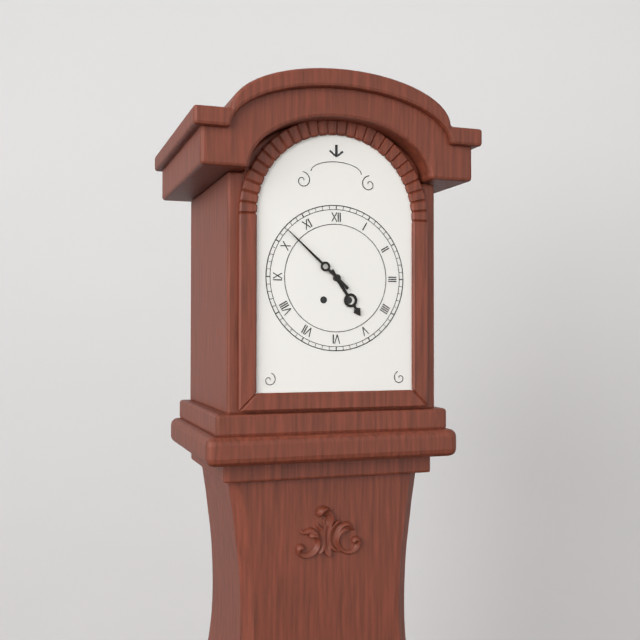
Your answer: 4,52
